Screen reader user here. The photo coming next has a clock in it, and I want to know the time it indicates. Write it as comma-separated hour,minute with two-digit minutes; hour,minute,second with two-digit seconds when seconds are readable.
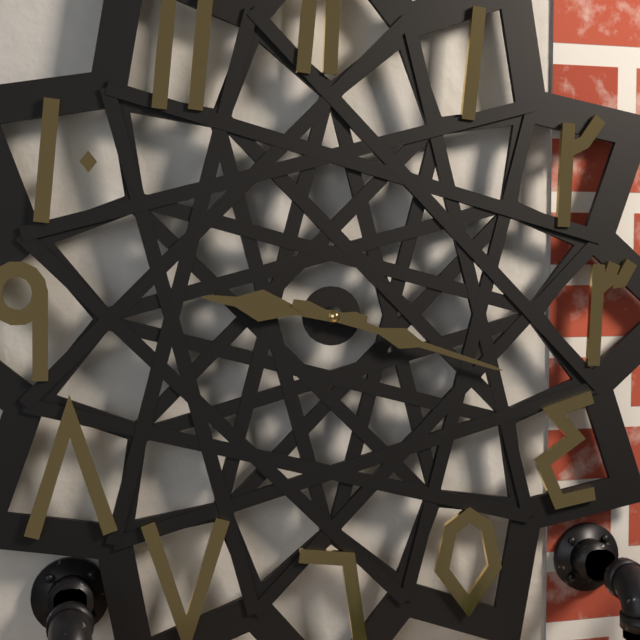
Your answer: 9,18
